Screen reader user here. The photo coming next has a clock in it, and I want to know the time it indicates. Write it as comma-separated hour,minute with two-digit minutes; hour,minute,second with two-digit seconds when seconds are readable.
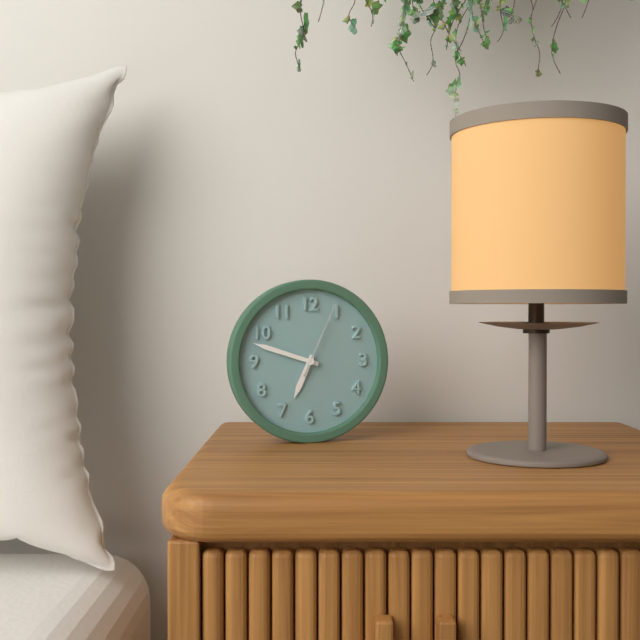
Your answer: 6,48,04
